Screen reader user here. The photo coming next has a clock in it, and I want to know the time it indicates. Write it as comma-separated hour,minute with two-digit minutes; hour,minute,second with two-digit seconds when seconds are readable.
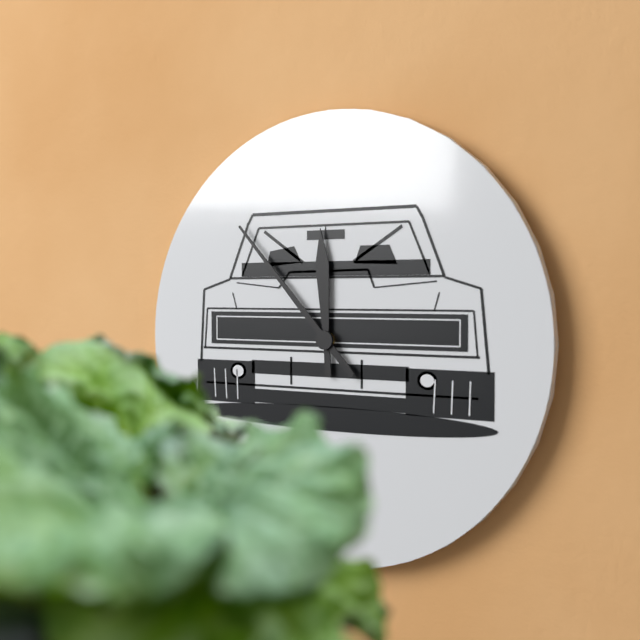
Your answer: 11,53
